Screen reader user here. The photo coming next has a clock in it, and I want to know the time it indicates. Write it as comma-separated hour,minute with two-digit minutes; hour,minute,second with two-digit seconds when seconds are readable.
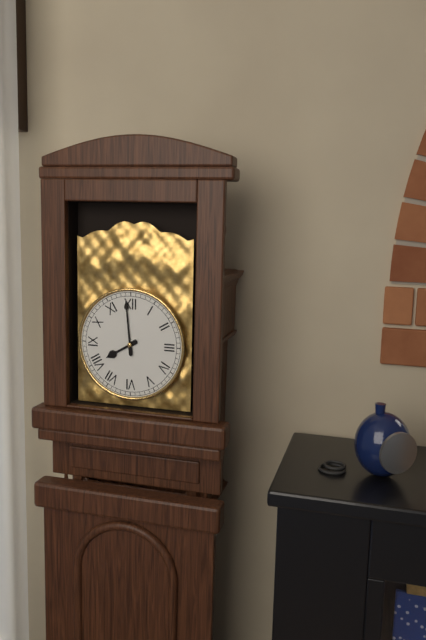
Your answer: 7,59
